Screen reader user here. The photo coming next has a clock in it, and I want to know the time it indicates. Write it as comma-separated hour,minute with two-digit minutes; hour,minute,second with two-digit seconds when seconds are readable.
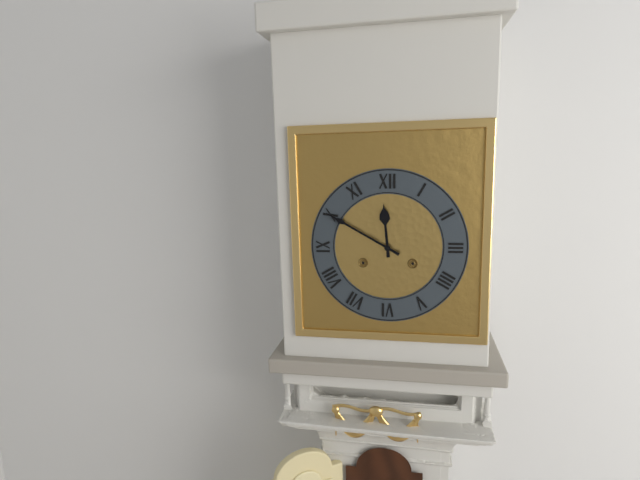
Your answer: 11,50
